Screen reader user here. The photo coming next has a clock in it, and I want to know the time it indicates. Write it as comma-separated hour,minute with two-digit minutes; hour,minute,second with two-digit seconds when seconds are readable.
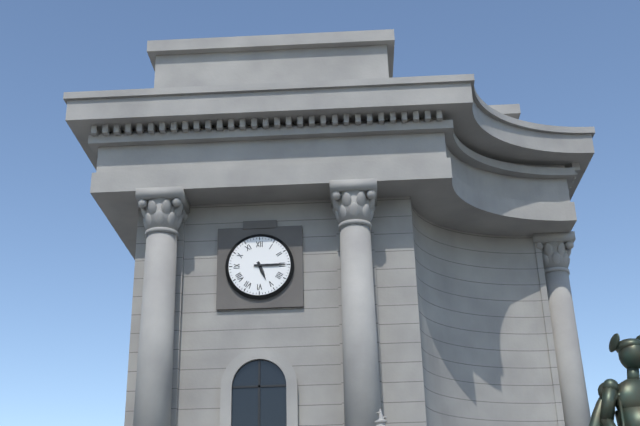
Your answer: 5,15
